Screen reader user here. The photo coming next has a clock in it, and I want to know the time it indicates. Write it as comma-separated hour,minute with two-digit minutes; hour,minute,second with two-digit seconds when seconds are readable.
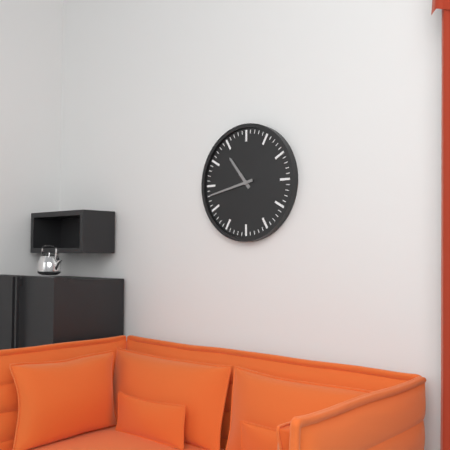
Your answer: 10,43
